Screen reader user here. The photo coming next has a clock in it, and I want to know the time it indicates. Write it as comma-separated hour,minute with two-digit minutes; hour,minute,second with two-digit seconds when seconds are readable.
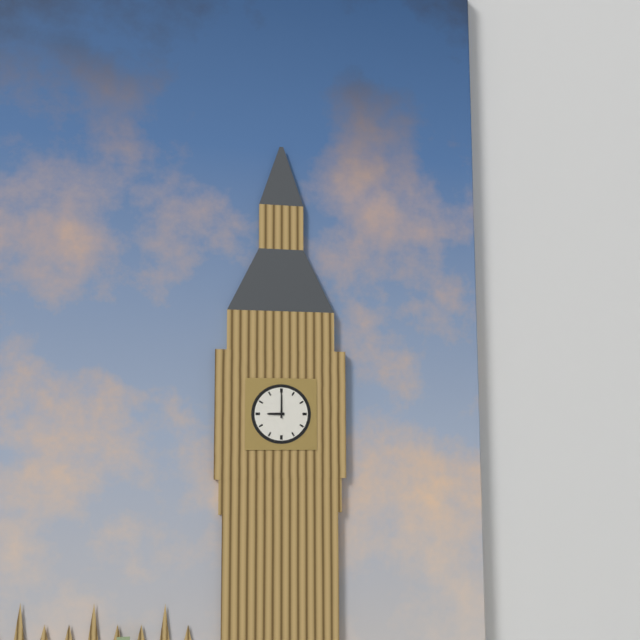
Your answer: 9,00
